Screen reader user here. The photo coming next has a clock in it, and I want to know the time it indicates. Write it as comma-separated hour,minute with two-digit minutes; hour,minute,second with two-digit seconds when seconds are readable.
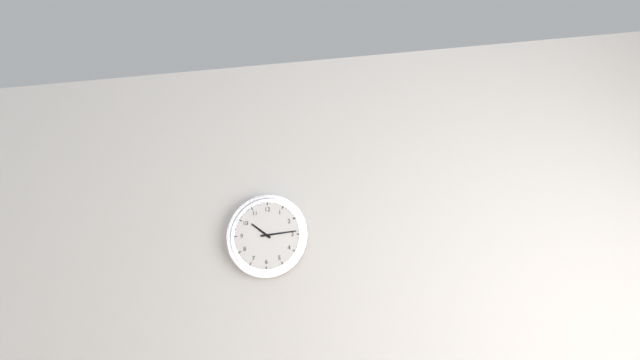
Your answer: 10,14
